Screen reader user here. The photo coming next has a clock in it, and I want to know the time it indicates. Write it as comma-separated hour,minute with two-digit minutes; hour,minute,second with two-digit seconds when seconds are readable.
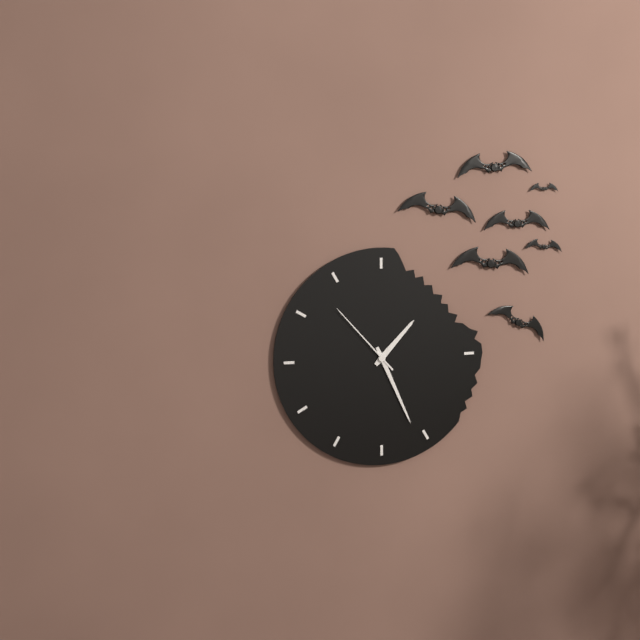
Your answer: 1,26,53
